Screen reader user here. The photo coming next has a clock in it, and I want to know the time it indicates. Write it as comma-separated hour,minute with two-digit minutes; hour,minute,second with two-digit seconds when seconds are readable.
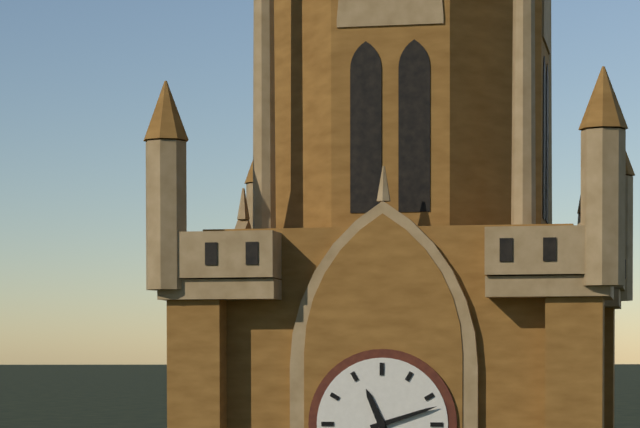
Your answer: 11,12
